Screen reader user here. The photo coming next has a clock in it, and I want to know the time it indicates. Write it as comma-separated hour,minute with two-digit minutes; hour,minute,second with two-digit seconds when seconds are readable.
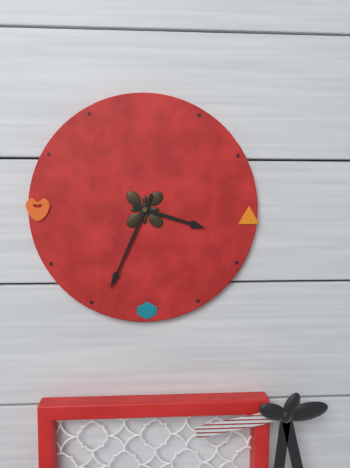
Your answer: 3,34
